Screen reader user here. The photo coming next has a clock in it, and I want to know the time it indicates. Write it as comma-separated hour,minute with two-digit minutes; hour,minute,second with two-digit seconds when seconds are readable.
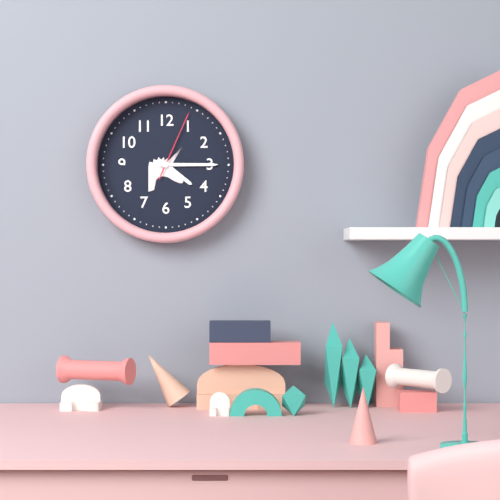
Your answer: 4,15,04
